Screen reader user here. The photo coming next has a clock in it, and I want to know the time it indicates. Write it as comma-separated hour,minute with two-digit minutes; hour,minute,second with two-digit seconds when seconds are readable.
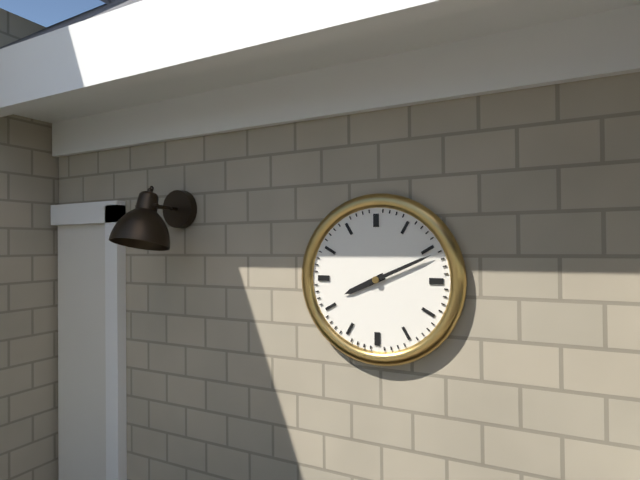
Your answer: 8,11
